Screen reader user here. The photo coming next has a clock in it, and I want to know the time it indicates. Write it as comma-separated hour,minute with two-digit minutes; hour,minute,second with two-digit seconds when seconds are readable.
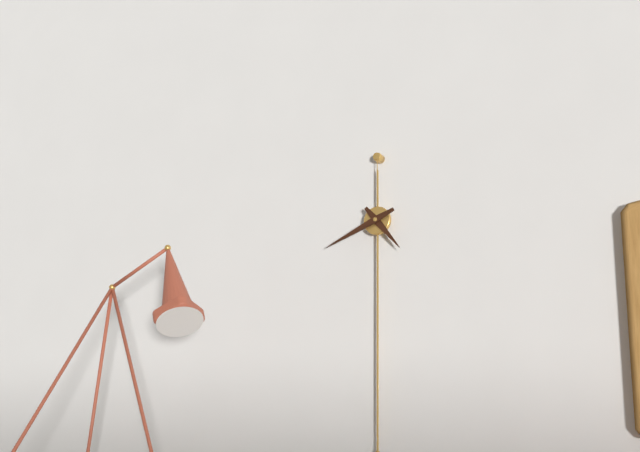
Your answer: 4,41
